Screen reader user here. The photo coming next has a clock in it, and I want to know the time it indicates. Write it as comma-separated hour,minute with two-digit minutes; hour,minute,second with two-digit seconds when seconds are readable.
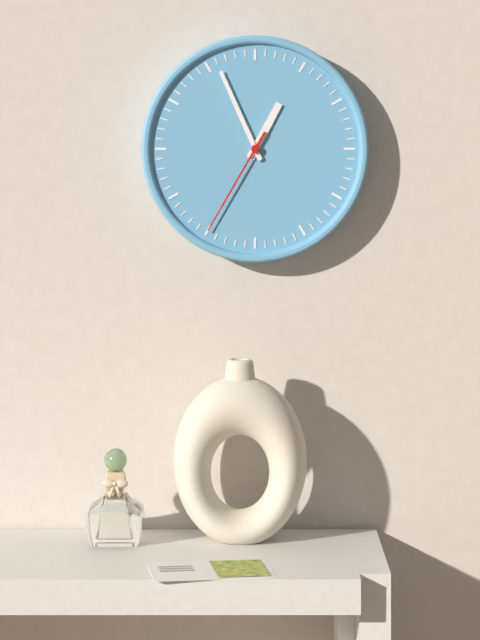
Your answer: 12,56,35
